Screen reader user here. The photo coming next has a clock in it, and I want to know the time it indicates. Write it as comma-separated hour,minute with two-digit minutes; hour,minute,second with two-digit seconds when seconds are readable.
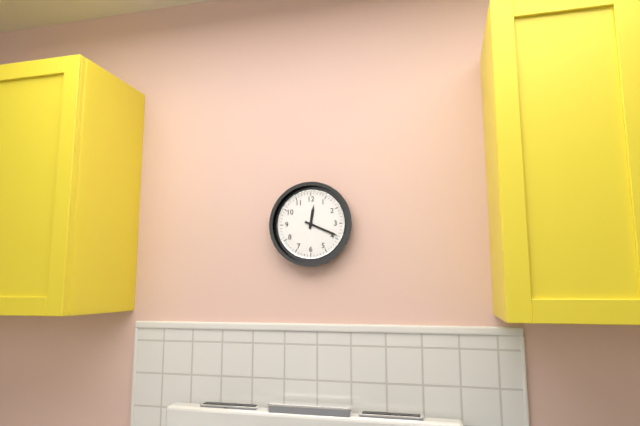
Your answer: 12,19
